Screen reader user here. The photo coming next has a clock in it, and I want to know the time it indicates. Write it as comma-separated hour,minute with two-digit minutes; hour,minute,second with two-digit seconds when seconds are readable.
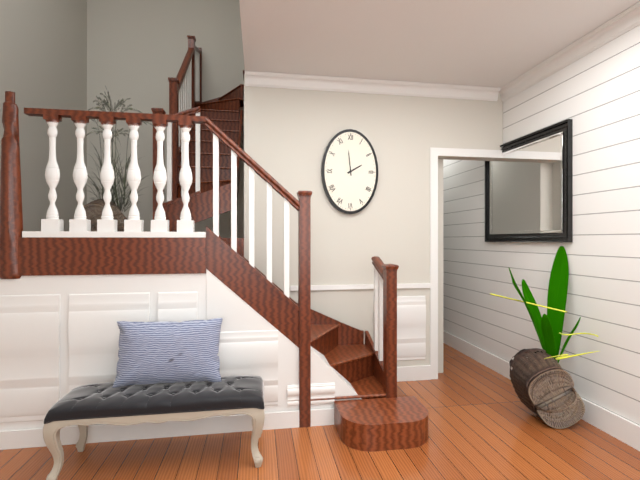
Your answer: 1,59
